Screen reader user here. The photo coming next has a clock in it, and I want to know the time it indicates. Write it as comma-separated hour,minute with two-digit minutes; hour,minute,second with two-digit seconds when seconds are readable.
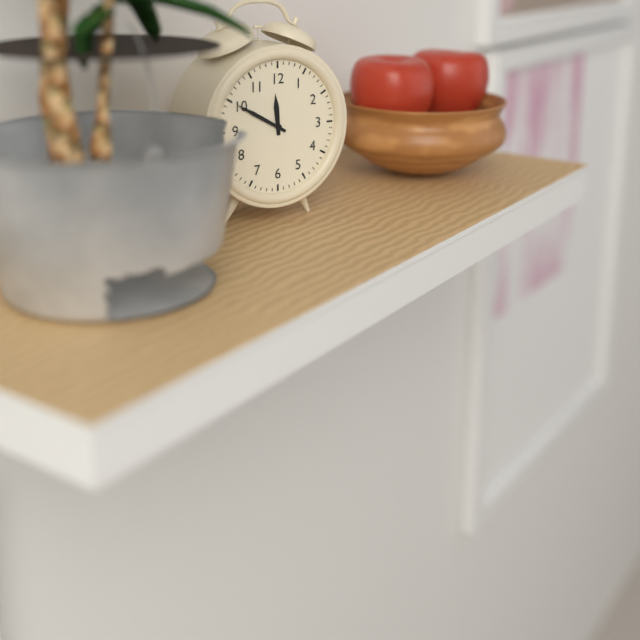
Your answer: 11,50
